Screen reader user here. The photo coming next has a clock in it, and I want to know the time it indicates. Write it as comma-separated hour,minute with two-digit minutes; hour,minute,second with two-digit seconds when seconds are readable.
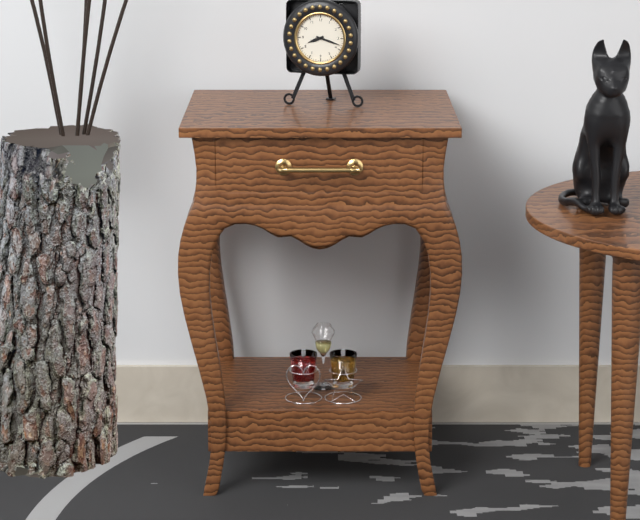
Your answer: 8,18
